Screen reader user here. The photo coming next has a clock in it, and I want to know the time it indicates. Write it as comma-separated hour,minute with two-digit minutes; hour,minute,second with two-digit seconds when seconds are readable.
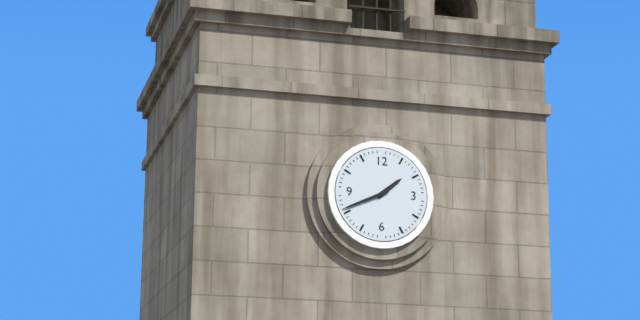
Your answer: 1,41
